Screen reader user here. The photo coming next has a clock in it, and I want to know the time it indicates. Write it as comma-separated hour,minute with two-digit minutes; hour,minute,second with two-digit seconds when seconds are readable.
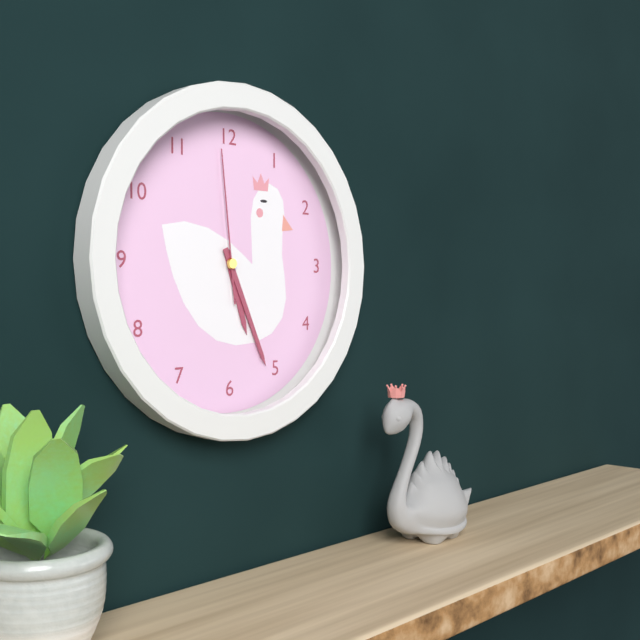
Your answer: 5,26,59
